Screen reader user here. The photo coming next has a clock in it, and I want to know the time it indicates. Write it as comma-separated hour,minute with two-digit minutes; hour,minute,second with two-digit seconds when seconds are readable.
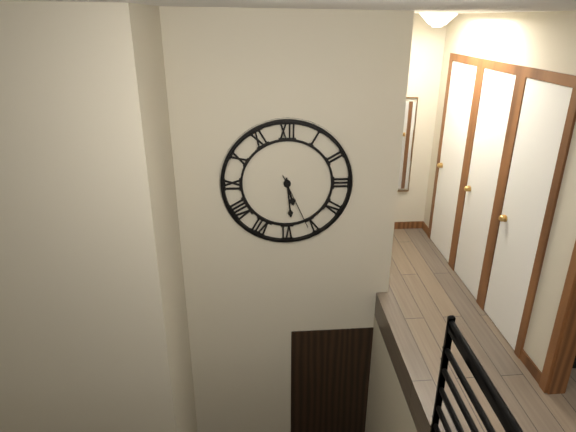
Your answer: 5,29,26
